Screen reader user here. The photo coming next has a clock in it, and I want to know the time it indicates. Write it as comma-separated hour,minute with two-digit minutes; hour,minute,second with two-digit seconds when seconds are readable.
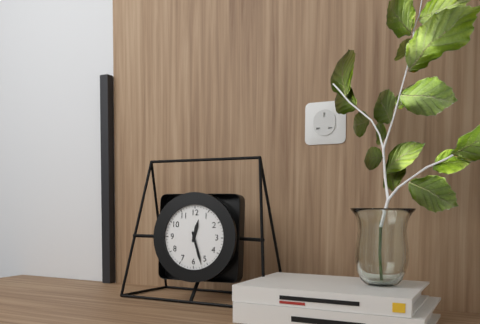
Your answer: 12,27
